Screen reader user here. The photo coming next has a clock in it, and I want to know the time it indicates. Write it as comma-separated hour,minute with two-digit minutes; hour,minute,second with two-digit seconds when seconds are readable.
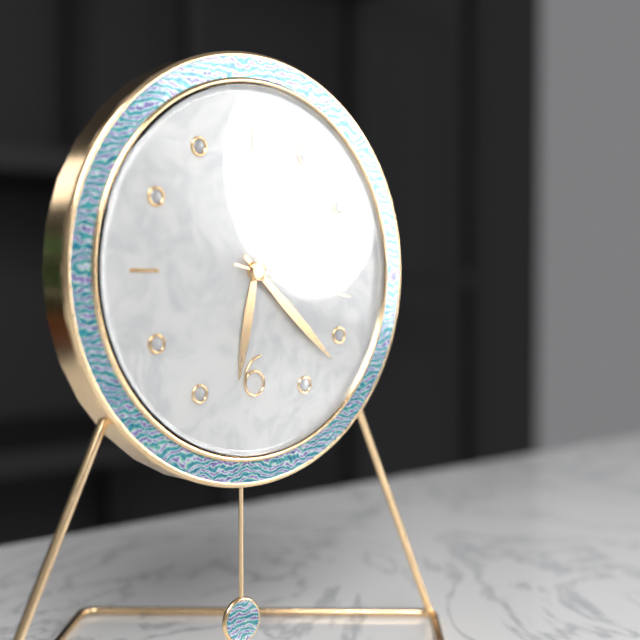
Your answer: 6,22,17
